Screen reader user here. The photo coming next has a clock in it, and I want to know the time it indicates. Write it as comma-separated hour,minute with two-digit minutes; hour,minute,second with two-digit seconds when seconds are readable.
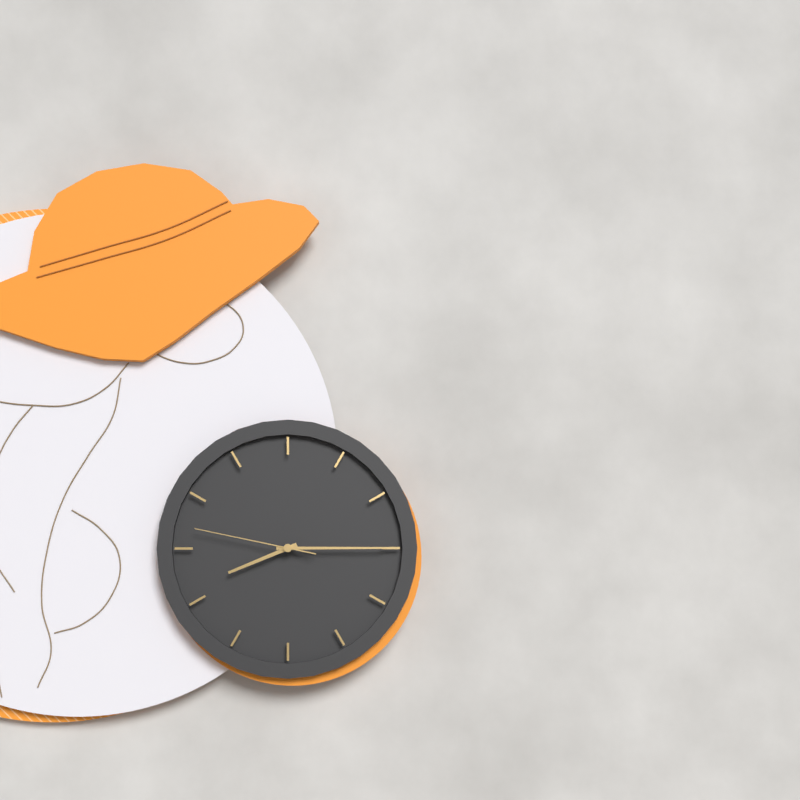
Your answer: 8,15,47
